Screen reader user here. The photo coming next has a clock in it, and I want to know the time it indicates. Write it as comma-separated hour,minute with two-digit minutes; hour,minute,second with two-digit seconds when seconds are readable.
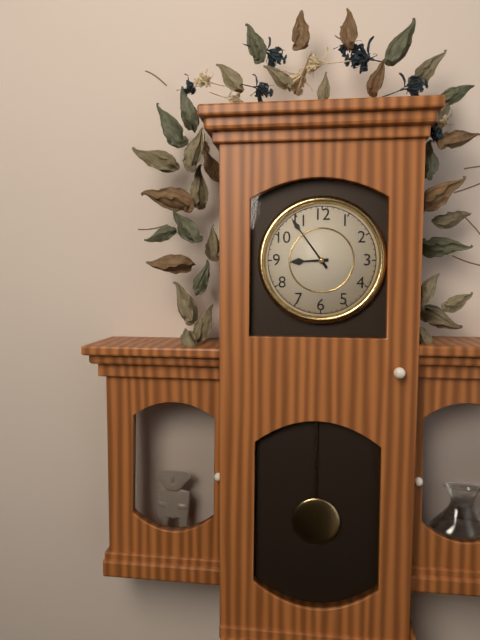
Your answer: 8,54
